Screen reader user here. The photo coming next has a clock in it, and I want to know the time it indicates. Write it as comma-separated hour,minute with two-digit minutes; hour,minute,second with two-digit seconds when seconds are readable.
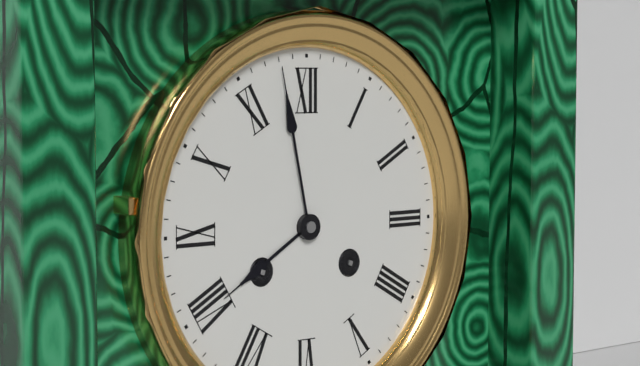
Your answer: 7,58
